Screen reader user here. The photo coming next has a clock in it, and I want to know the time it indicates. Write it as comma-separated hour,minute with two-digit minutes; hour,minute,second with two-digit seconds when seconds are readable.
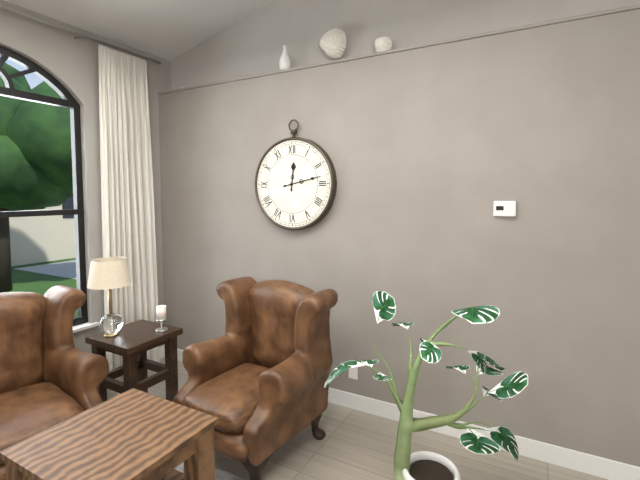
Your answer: 12,13
